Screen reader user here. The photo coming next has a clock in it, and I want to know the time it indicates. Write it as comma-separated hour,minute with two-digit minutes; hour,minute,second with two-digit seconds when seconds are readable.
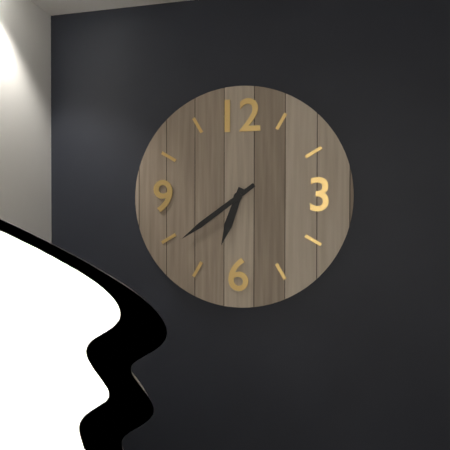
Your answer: 6,39
